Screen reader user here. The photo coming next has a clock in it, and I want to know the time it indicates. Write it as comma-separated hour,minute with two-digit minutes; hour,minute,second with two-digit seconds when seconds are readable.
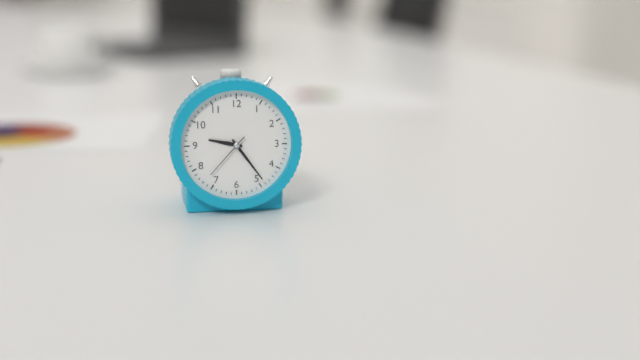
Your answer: 9,24
